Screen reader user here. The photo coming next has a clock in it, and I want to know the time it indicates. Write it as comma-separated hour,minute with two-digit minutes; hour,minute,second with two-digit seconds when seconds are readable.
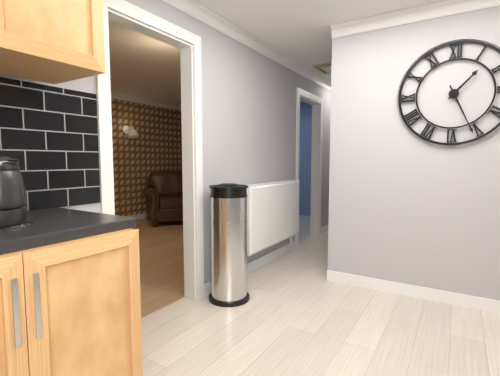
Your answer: 1,26
